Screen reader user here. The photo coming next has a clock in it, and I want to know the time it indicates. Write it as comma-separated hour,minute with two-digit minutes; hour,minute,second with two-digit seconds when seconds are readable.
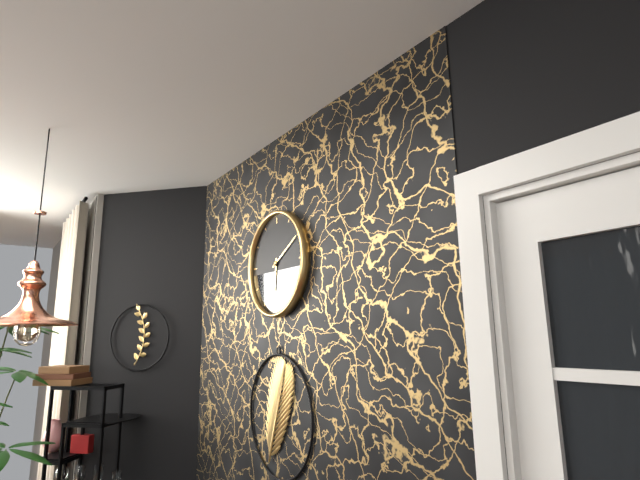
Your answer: 6,10
